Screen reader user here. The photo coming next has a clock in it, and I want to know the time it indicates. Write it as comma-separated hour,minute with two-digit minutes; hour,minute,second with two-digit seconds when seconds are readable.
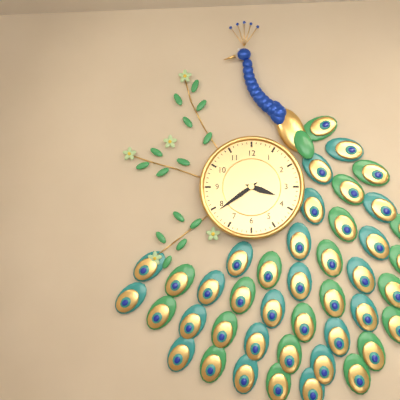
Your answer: 3,39
